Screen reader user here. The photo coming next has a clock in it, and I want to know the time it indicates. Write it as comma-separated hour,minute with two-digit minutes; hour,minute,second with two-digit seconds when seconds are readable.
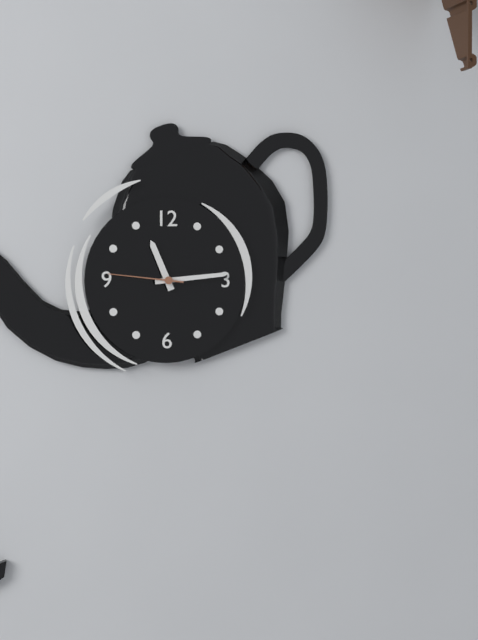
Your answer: 11,14,46
